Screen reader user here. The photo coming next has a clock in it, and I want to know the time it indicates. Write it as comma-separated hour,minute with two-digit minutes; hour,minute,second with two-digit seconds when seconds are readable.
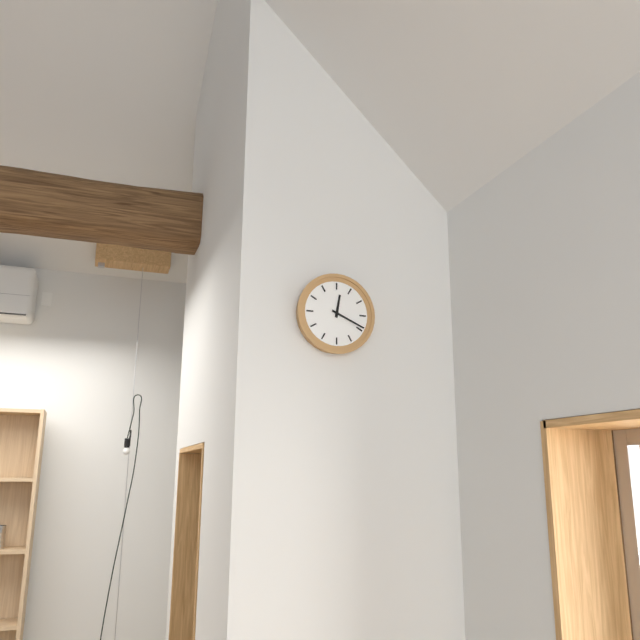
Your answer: 12,19
